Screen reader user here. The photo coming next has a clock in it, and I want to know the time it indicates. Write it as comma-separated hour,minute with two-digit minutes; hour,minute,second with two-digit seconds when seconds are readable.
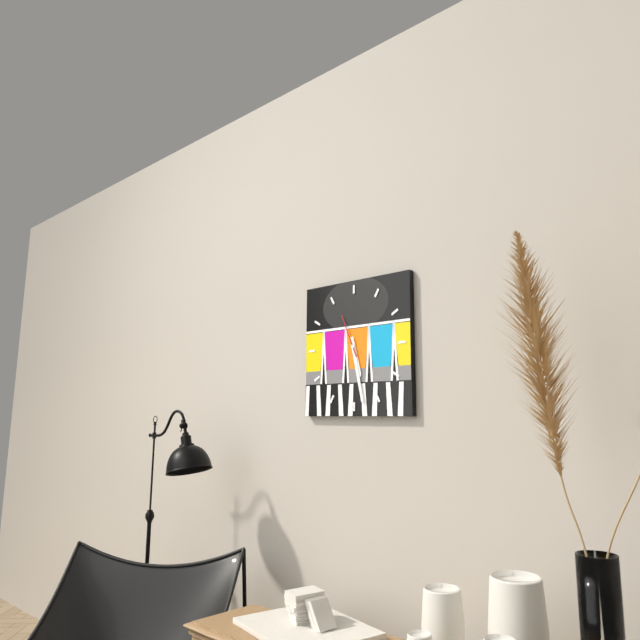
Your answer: 5,28
